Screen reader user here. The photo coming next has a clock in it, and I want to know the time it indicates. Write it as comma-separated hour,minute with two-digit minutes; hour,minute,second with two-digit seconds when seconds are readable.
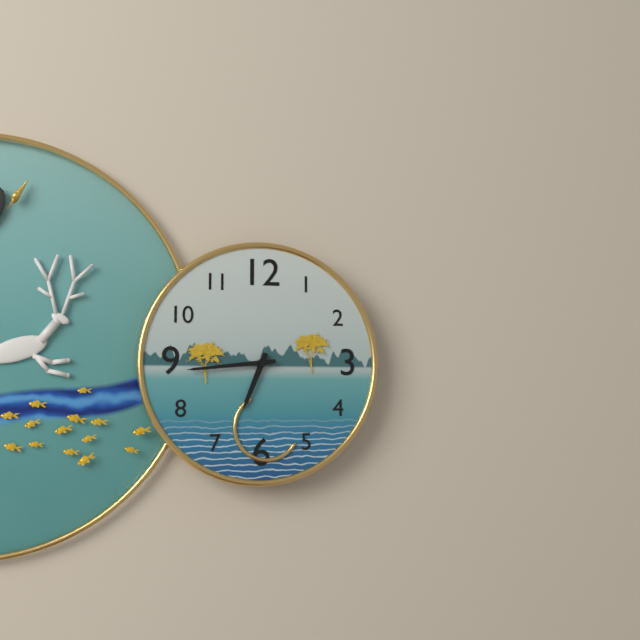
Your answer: 6,44
